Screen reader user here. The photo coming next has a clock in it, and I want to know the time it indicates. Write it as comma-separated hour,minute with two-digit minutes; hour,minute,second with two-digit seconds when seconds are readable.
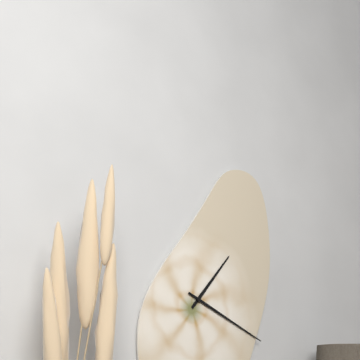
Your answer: 1,19
